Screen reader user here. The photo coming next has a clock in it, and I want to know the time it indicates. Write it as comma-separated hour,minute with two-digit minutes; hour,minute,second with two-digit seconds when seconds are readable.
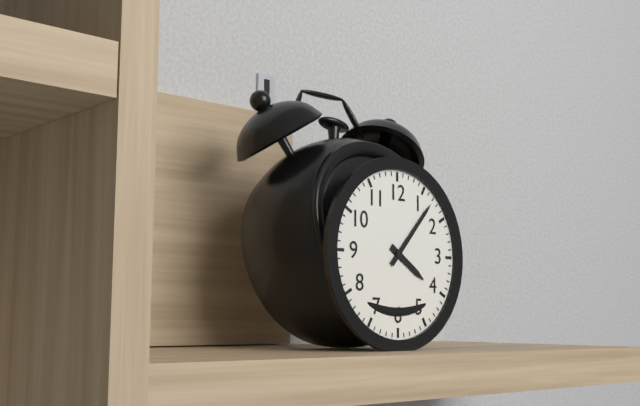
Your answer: 4,07
